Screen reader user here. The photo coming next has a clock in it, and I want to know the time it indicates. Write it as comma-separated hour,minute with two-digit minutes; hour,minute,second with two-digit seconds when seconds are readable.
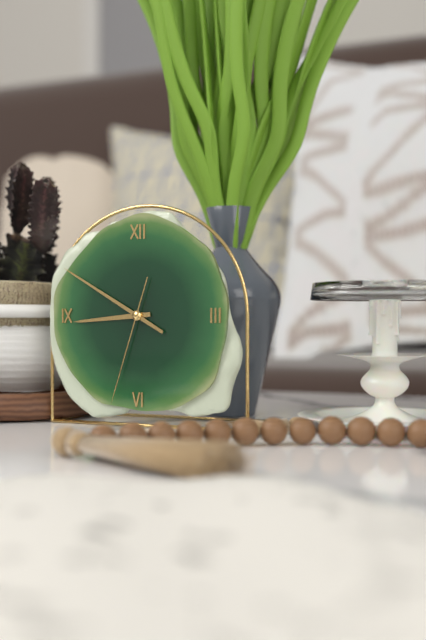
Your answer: 8,50,33
